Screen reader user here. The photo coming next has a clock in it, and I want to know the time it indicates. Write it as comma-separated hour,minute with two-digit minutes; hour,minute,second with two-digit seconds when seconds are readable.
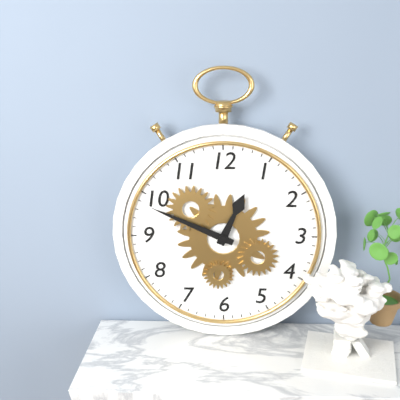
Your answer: 12,49
